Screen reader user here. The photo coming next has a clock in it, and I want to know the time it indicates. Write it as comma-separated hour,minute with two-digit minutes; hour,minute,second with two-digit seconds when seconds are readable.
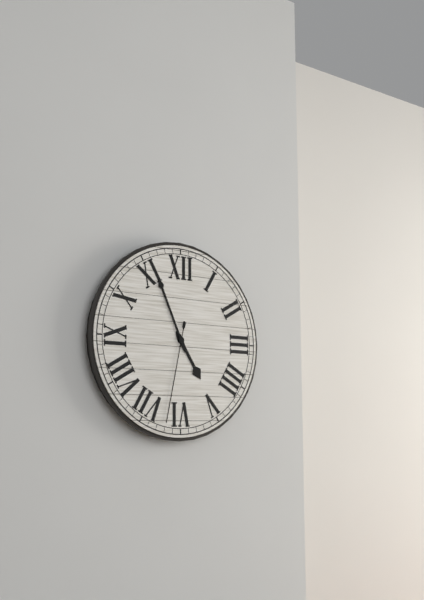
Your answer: 4,56,32
